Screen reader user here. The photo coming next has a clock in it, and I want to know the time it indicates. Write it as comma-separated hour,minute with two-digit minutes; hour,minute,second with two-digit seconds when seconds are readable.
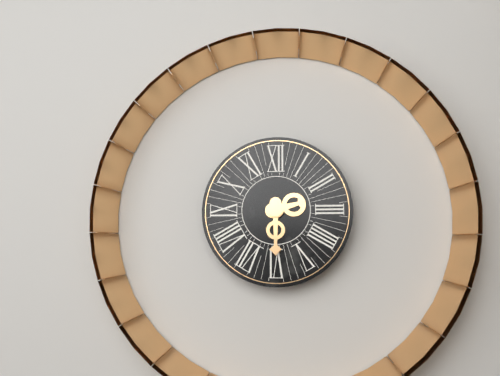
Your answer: 2,30
